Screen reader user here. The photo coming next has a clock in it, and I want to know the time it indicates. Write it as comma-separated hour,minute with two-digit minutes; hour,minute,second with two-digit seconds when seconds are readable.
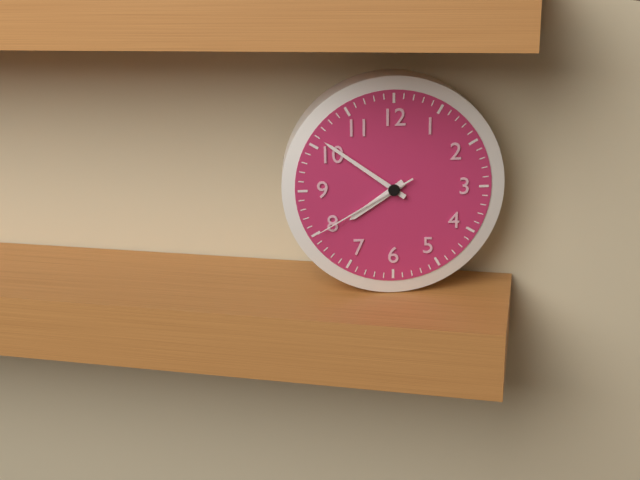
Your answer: 7,51,40
